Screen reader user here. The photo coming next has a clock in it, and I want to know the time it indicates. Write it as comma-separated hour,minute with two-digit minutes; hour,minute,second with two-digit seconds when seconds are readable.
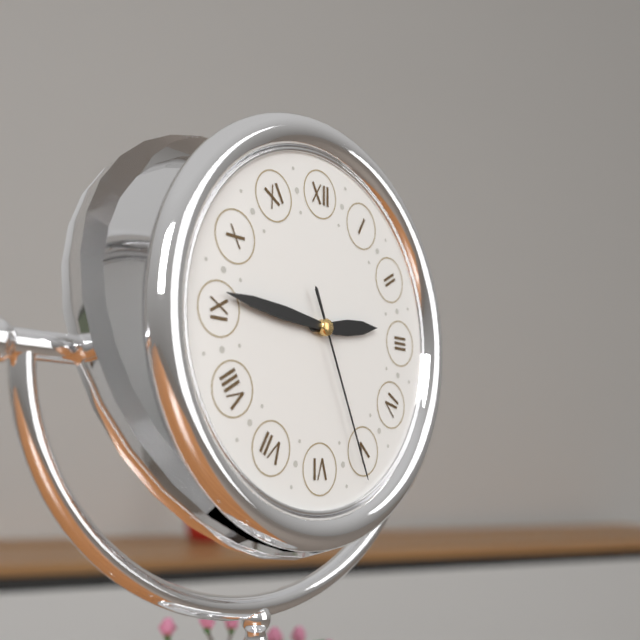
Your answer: 2,46,26
